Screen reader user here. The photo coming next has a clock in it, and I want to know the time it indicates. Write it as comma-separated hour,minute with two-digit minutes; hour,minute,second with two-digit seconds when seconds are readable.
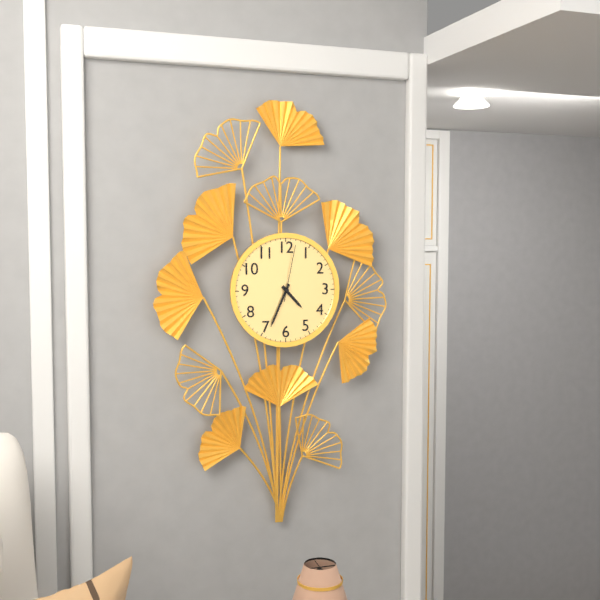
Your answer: 4,34,02
